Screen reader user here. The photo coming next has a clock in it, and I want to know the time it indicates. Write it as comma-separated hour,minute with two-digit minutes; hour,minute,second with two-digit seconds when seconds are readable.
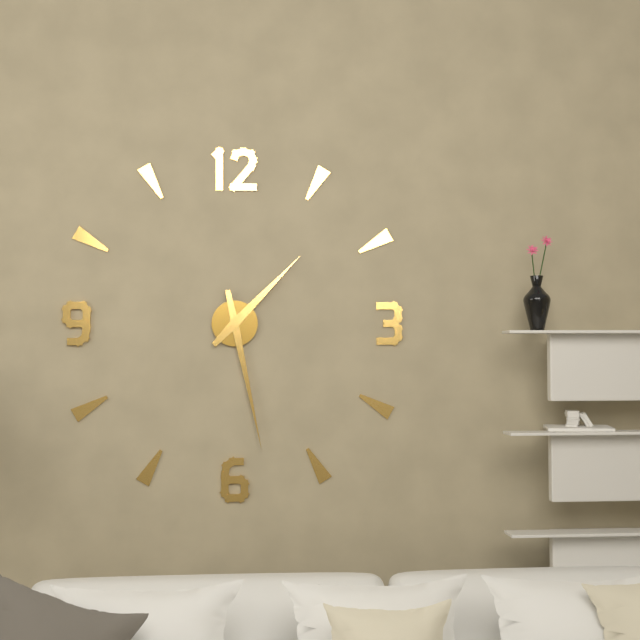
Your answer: 1,28
